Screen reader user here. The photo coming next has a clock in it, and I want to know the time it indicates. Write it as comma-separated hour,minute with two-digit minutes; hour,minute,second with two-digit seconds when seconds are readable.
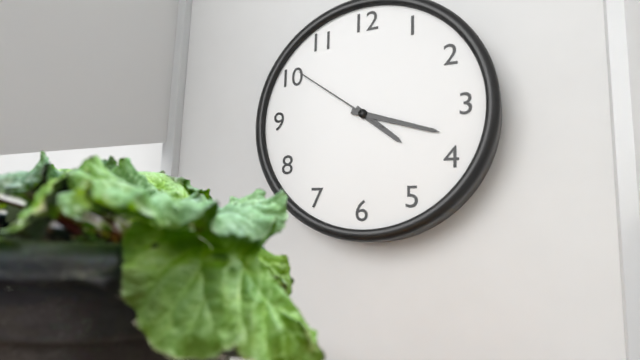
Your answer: 4,18,51
